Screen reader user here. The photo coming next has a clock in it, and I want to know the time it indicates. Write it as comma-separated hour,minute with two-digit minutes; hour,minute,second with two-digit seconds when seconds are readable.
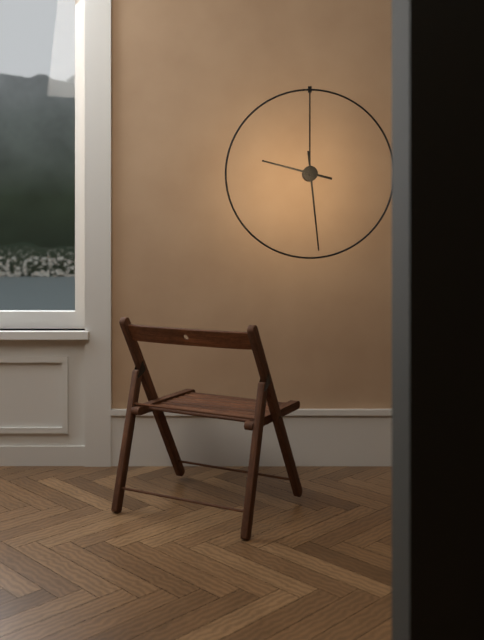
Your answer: 9,29
